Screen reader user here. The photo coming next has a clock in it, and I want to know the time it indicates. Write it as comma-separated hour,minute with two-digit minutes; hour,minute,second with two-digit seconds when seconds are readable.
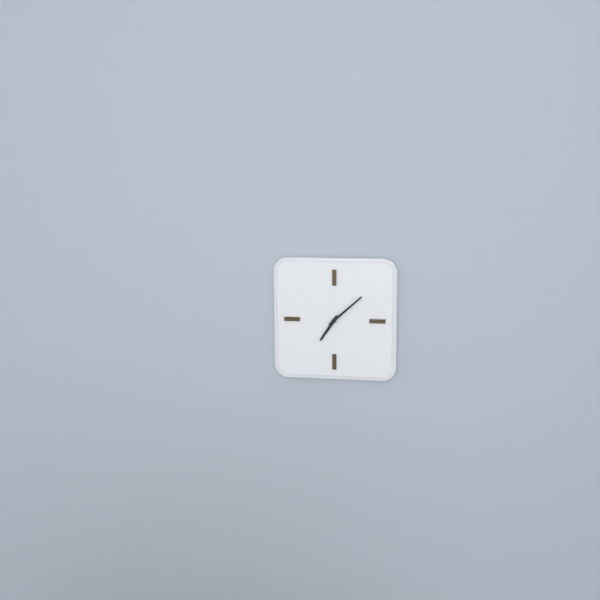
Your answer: 7,08
